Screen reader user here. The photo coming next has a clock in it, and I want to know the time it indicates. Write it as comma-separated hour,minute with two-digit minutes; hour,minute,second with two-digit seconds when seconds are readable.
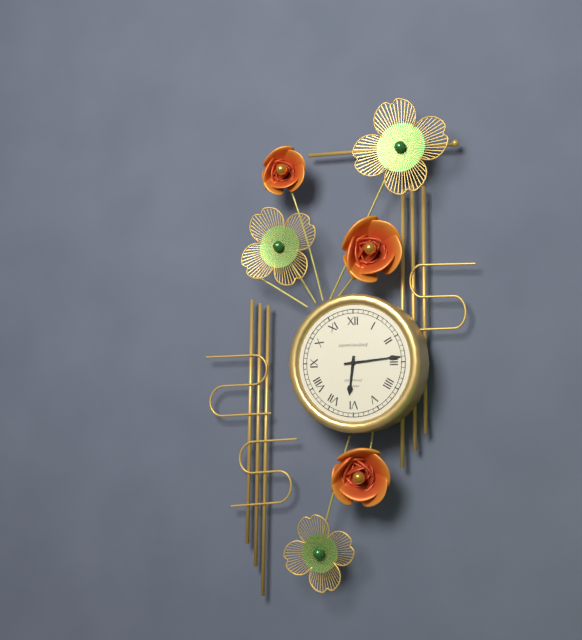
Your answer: 6,14
